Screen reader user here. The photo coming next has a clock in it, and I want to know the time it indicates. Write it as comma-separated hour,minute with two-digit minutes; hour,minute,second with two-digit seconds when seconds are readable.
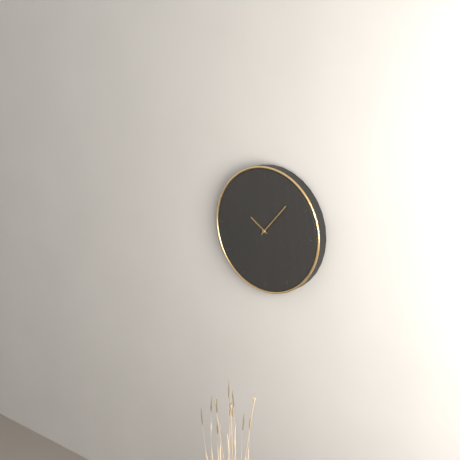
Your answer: 10,07
